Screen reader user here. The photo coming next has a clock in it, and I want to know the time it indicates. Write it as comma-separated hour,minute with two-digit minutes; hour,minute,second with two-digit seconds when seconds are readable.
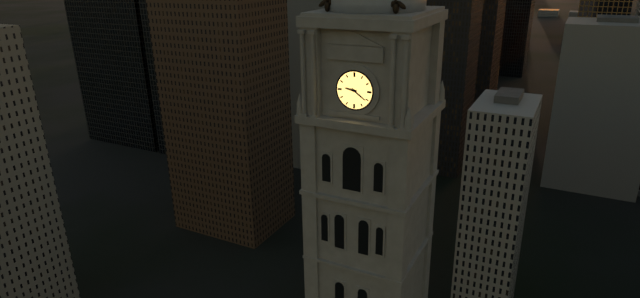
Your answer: 9,21
